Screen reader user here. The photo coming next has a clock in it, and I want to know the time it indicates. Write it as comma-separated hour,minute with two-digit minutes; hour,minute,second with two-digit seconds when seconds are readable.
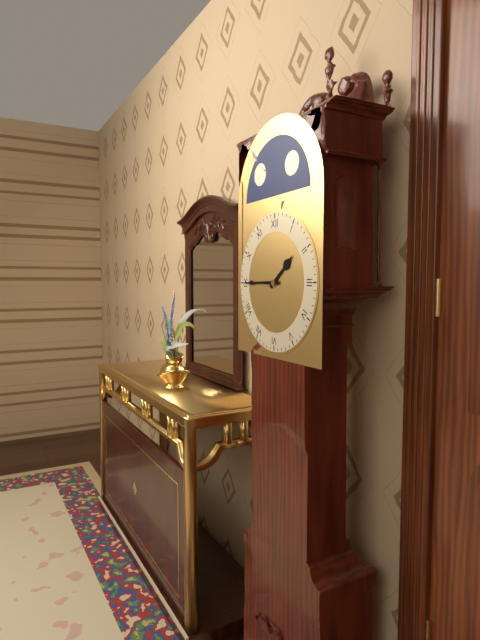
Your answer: 1,45
